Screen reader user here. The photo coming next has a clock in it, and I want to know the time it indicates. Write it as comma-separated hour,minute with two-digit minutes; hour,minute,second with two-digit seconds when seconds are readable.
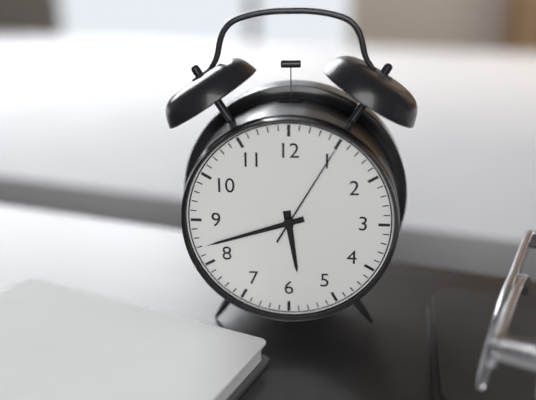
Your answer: 5,42,05
